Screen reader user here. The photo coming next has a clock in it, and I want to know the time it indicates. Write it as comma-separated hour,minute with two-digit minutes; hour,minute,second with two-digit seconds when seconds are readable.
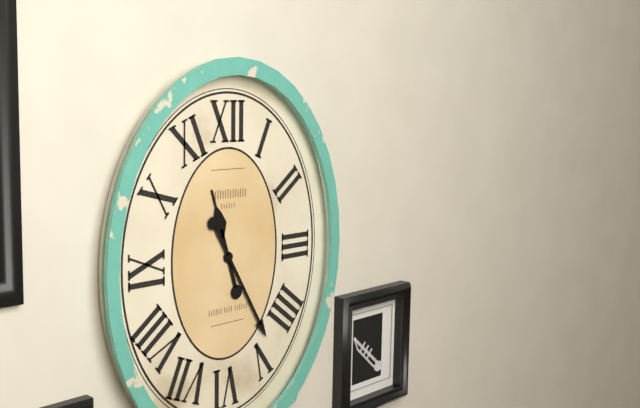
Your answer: 11,25
